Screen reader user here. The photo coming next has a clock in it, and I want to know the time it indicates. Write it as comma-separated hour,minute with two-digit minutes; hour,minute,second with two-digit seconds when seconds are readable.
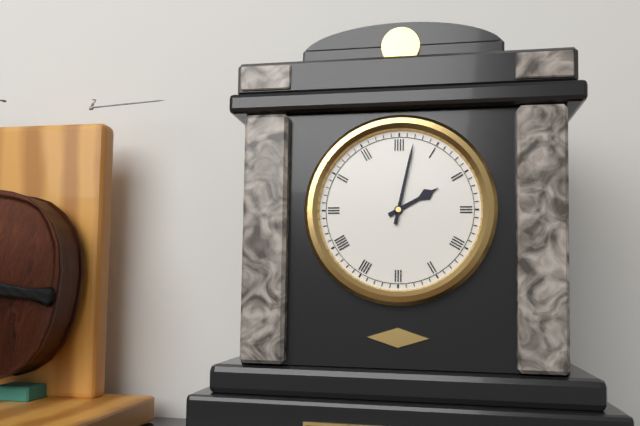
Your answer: 2,02
